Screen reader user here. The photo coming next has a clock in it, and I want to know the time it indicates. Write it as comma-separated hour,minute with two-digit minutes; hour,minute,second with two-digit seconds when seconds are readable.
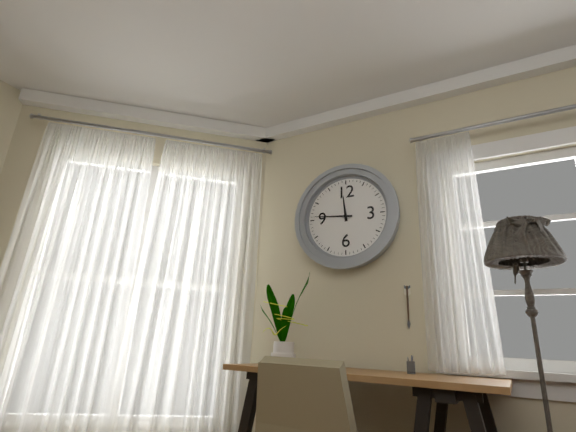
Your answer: 11,46
